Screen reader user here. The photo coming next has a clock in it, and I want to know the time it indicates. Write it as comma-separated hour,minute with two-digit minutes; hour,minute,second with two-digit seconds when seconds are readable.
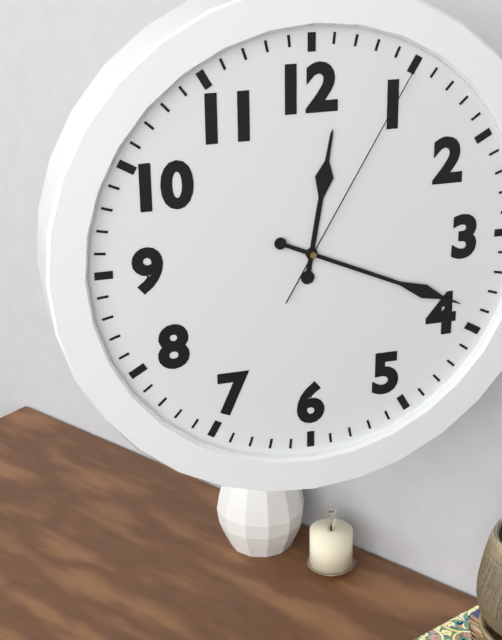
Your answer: 12,19,05
